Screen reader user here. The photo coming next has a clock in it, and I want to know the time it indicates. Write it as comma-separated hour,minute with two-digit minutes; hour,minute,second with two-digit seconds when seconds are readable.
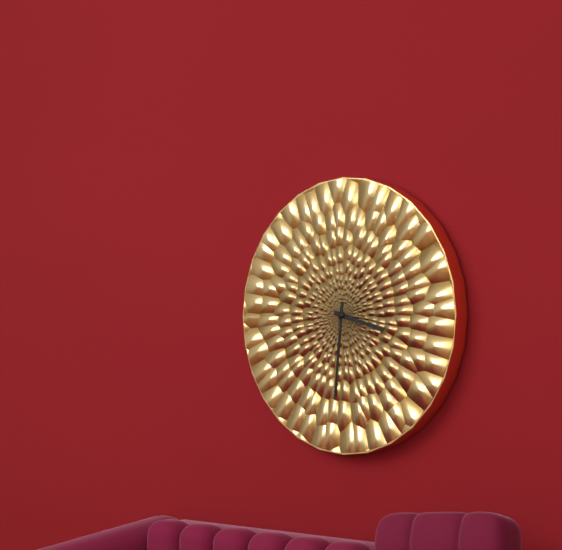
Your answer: 3,31
